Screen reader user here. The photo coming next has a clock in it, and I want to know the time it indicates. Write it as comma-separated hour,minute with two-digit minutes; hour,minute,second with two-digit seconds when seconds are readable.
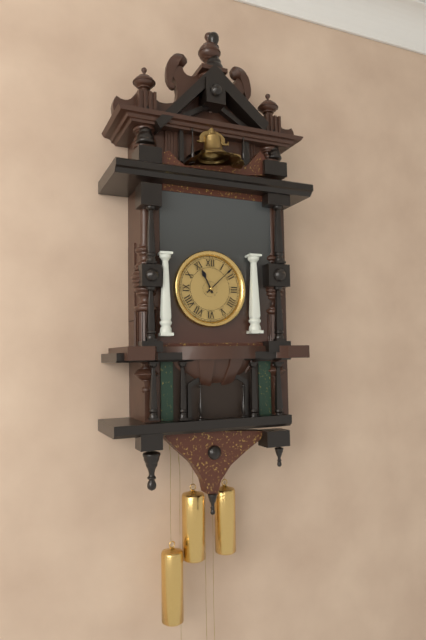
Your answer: 11,08
